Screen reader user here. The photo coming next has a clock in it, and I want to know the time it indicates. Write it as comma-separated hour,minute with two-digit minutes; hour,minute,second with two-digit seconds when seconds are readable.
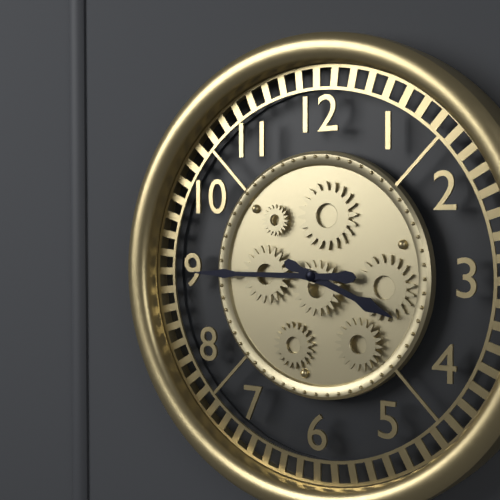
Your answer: 3,45
